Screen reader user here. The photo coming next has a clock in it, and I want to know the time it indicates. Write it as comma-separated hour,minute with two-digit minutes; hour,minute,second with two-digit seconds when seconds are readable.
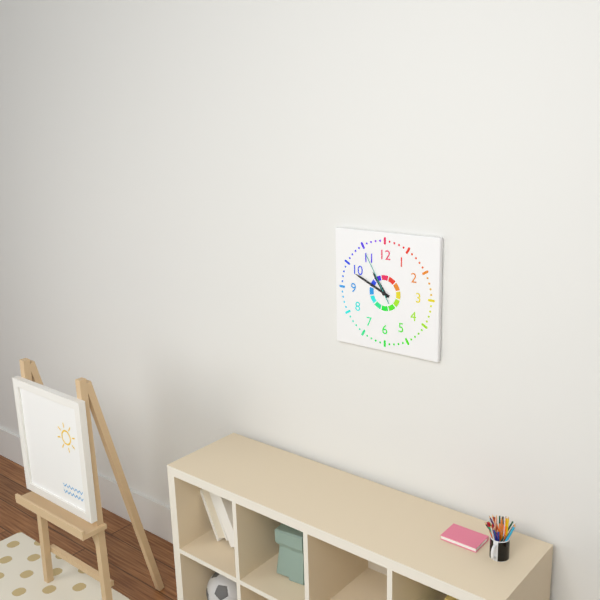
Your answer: 10,49,55
